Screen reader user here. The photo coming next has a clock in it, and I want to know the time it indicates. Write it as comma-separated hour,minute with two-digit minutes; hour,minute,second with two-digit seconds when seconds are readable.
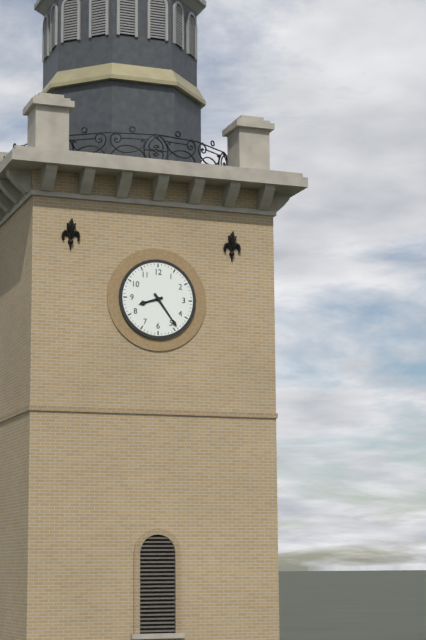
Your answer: 8,24
